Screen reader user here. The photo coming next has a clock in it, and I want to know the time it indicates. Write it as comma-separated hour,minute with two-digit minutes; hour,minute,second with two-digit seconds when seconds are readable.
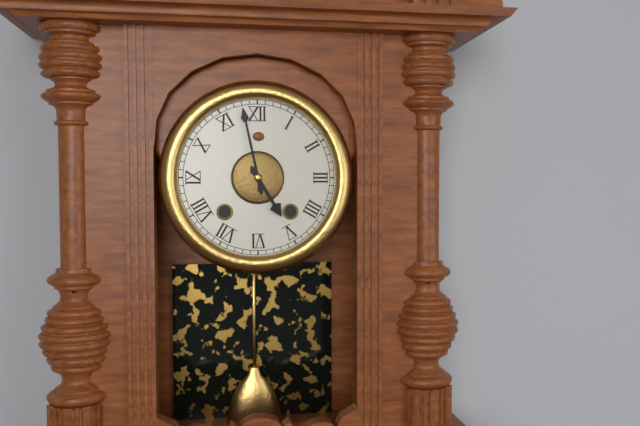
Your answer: 4,58
